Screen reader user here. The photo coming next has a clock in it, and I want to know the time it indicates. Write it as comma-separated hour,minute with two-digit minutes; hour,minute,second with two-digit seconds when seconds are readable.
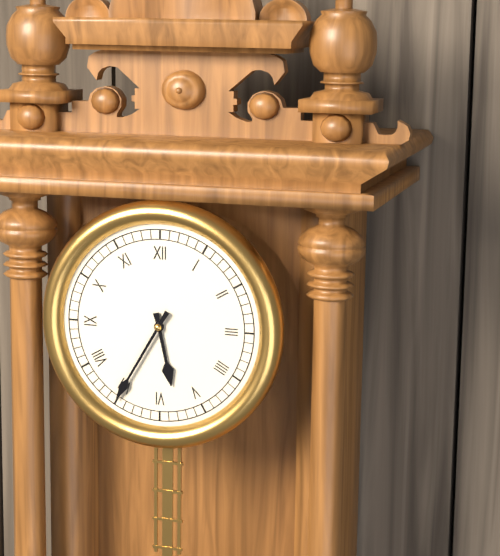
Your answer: 5,35
